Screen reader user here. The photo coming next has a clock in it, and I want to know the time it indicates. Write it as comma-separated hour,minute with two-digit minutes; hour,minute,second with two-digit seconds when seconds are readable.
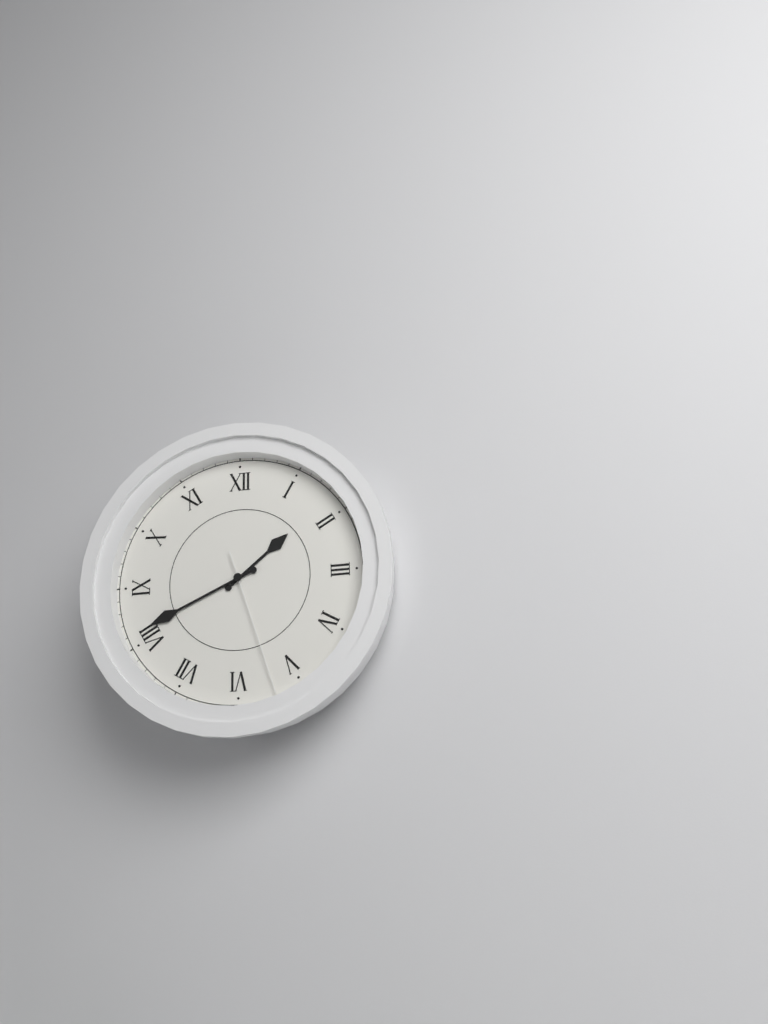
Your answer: 1,41,27
